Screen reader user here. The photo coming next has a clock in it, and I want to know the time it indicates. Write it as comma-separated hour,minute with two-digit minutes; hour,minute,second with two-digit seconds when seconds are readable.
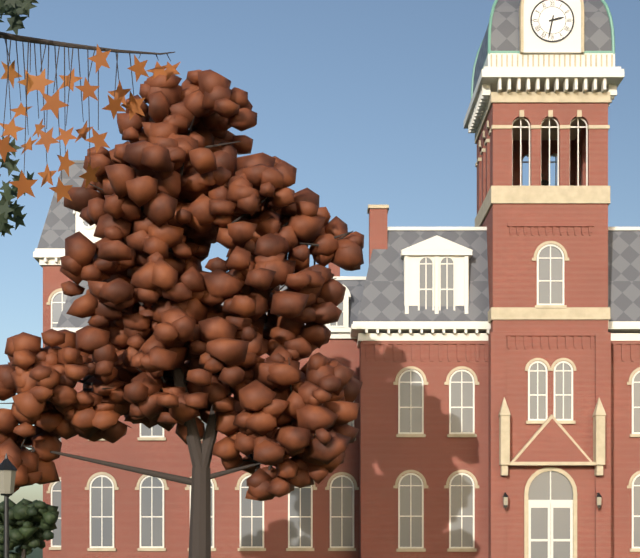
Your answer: 2,32
